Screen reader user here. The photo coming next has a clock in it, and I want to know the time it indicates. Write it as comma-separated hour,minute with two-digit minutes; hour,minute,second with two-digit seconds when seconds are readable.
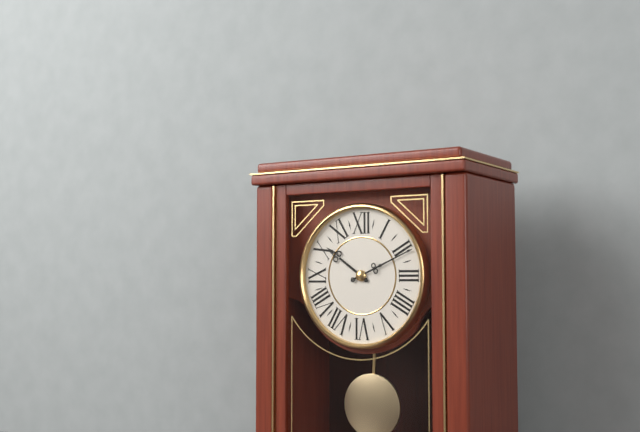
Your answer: 10,11
